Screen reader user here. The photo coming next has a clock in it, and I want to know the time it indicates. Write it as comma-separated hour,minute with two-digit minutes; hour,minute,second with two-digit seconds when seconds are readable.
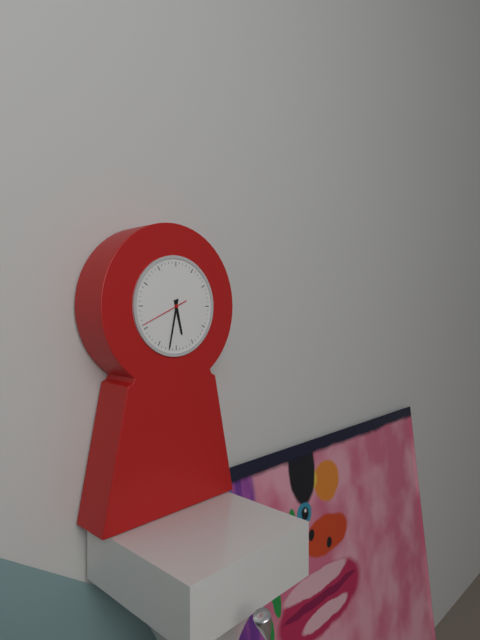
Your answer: 5,32
